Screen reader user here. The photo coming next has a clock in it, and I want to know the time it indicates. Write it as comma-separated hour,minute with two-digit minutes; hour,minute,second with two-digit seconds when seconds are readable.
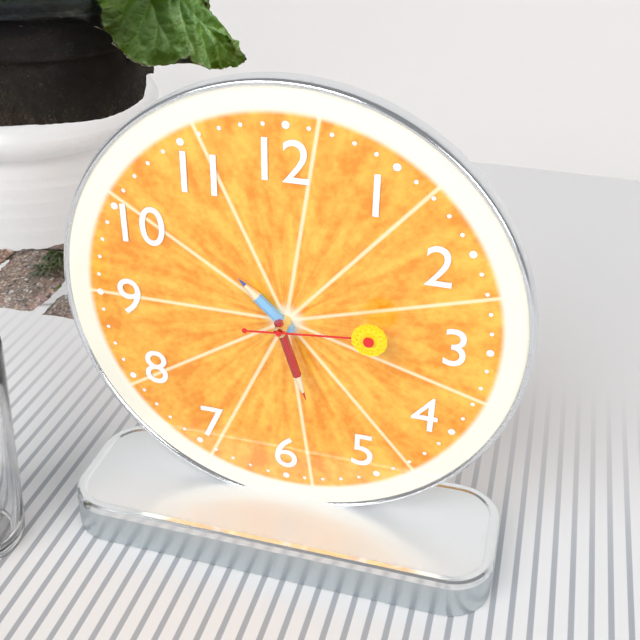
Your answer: 10,27,14
